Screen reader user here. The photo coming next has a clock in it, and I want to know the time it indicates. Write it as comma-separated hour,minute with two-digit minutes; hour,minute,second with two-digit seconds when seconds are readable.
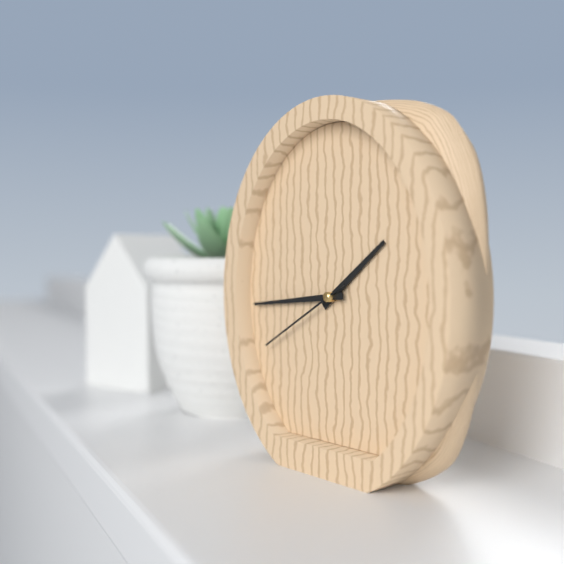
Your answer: 1,44,40
